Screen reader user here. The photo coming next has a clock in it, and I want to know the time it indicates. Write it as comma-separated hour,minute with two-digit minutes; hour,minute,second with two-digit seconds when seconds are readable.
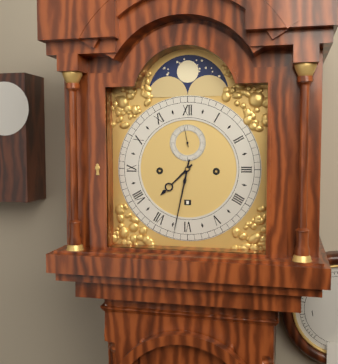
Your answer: 7,32
